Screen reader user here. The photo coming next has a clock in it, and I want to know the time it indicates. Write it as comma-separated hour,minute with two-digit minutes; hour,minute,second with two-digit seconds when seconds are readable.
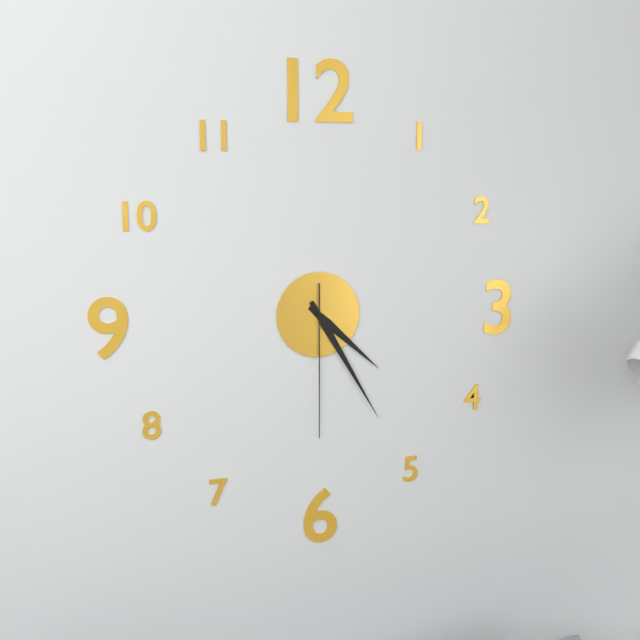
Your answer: 4,25,30
